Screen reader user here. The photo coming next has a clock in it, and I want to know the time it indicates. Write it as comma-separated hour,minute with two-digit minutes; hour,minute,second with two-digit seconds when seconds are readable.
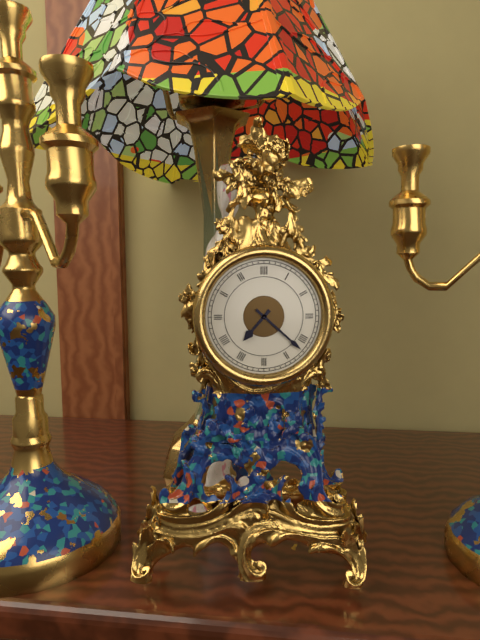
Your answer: 7,22
